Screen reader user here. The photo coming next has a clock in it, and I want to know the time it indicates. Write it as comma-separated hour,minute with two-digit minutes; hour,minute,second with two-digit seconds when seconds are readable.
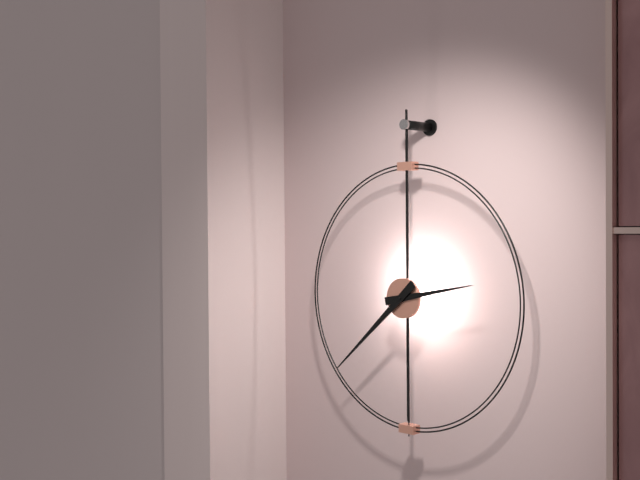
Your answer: 2,38
